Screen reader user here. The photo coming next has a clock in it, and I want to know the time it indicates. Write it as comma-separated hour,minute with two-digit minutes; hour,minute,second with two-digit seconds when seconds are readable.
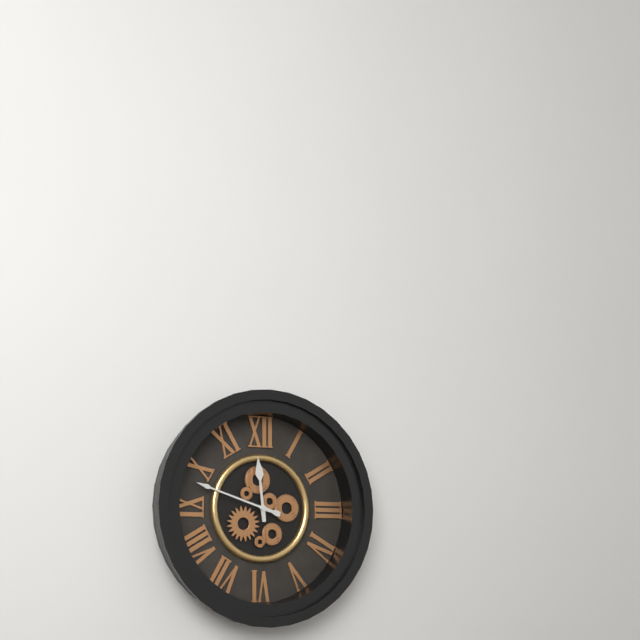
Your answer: 11,48
